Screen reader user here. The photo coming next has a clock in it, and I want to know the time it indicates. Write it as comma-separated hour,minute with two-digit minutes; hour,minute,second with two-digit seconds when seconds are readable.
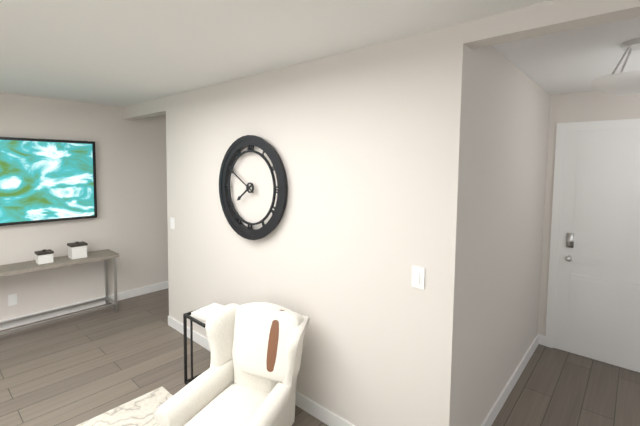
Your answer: 7,50
